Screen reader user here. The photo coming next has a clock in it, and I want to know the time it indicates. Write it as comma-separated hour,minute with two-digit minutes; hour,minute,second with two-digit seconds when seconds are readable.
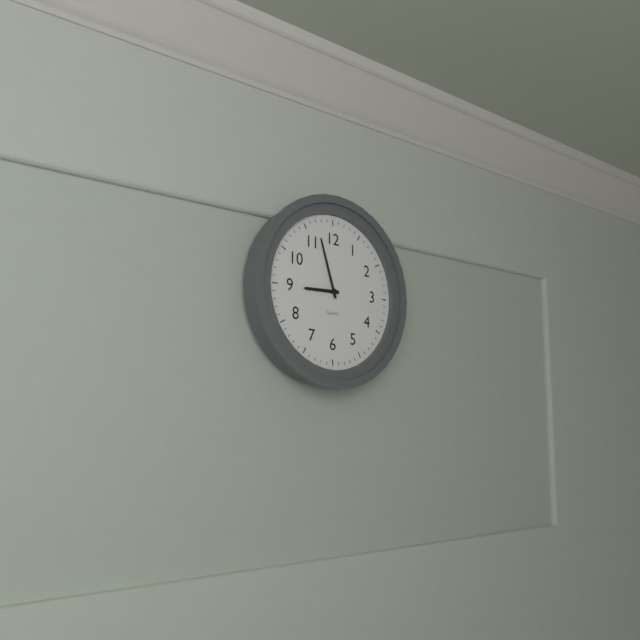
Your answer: 8,57
